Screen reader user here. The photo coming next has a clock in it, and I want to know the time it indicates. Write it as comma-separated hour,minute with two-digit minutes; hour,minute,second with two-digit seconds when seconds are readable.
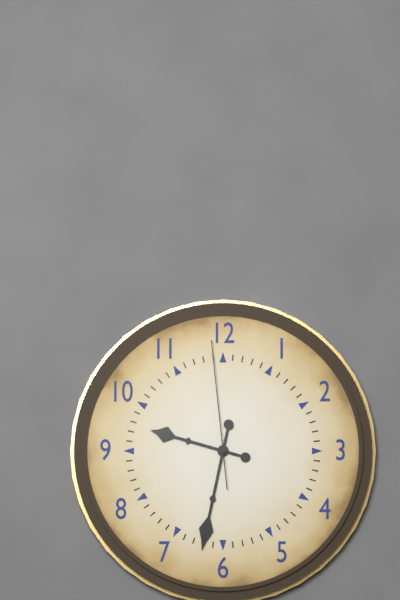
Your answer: 9,32,59
